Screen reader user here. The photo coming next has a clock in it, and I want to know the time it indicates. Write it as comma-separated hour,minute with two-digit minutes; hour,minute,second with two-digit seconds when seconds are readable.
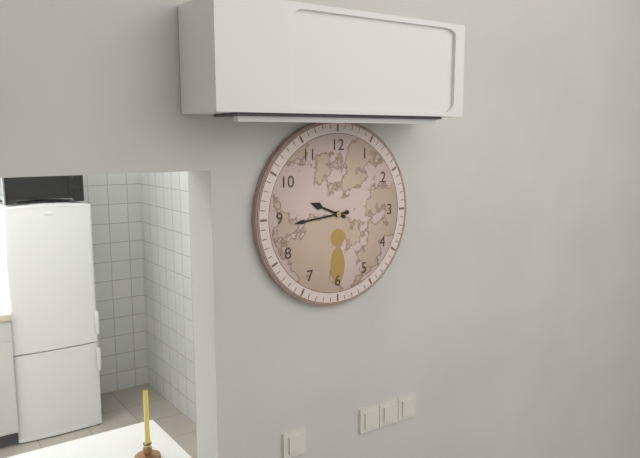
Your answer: 9,44
